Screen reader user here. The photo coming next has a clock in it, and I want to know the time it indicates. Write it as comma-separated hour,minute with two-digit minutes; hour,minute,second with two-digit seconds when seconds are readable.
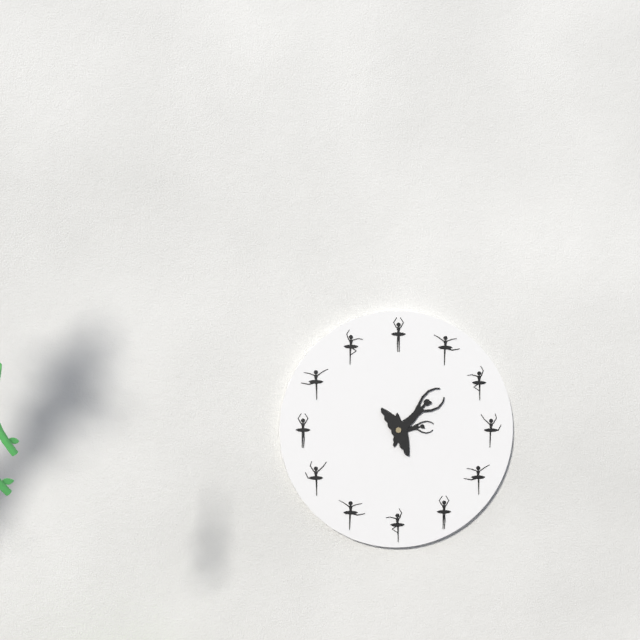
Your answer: 3,10
